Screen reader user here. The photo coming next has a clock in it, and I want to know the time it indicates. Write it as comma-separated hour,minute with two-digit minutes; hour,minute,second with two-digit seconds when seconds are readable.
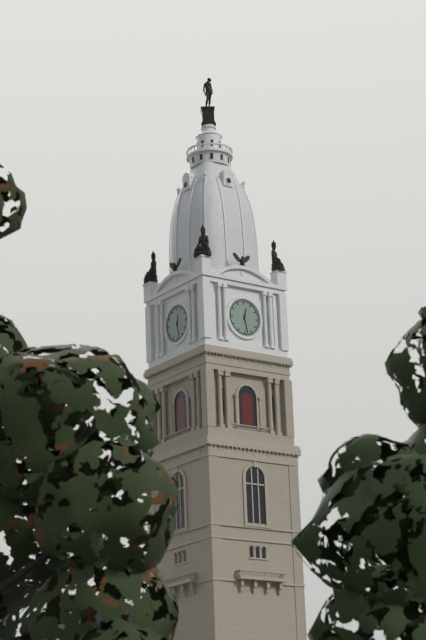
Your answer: 12,28
